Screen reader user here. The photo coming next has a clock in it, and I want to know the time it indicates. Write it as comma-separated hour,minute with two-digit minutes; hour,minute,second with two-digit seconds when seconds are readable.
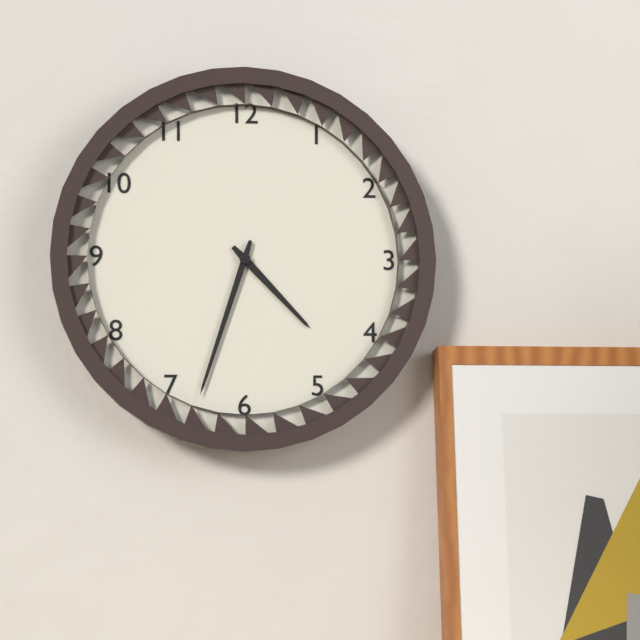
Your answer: 4,33
